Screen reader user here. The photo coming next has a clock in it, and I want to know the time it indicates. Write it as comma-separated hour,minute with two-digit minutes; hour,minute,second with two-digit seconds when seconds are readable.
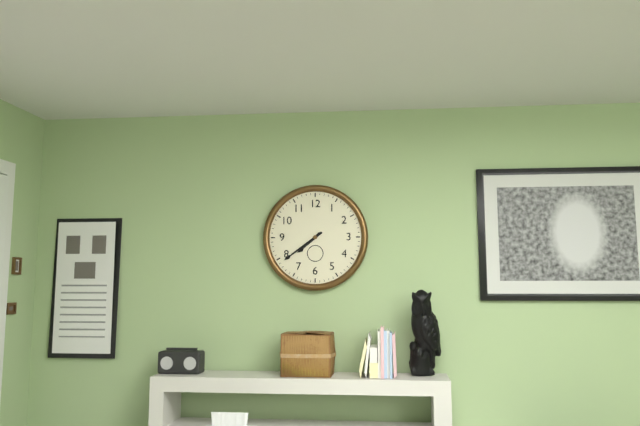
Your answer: 7,39
